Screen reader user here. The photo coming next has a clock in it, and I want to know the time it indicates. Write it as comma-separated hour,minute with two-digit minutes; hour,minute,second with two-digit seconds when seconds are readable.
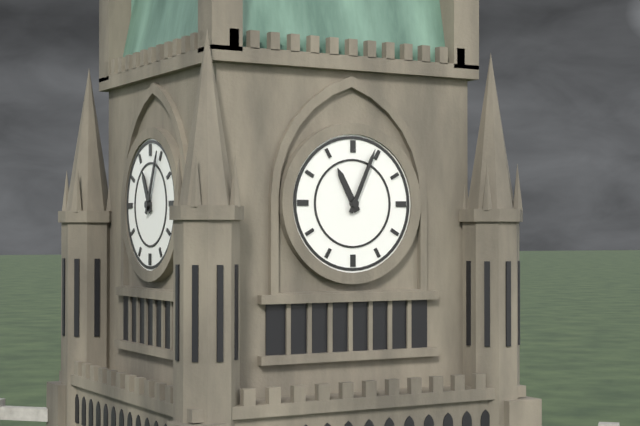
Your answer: 11,04
